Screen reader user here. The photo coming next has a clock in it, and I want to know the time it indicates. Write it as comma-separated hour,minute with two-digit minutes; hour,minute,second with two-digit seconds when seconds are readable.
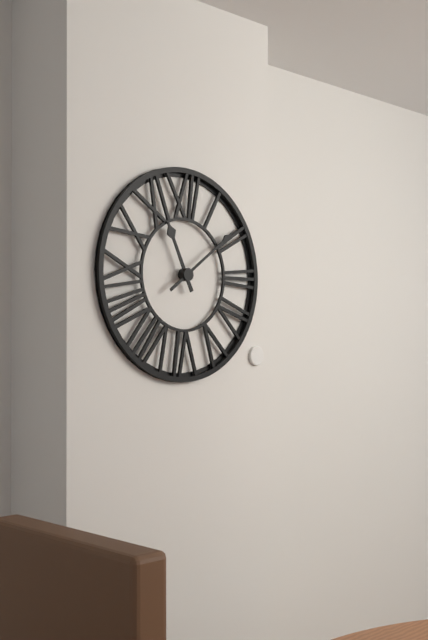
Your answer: 11,09
